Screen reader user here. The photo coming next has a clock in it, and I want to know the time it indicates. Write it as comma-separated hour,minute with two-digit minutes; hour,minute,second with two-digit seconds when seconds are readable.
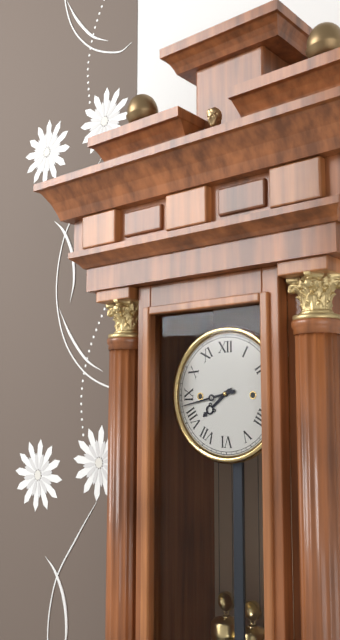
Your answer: 7,43
